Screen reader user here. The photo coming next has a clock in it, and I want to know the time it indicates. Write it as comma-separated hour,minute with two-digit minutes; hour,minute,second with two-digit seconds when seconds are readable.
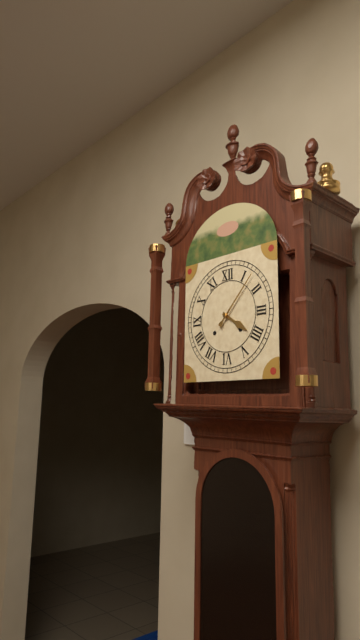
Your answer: 4,07
